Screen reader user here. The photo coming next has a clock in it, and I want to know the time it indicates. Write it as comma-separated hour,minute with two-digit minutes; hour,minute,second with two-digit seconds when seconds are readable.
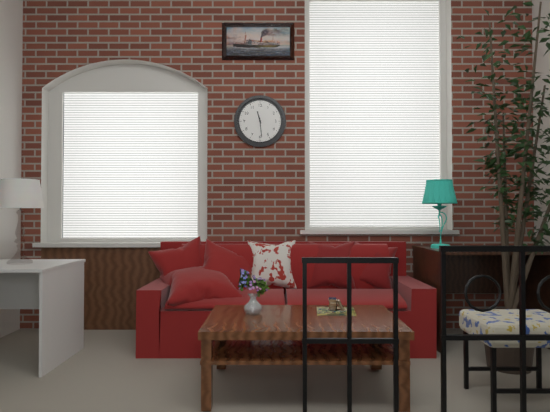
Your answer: 11,29
